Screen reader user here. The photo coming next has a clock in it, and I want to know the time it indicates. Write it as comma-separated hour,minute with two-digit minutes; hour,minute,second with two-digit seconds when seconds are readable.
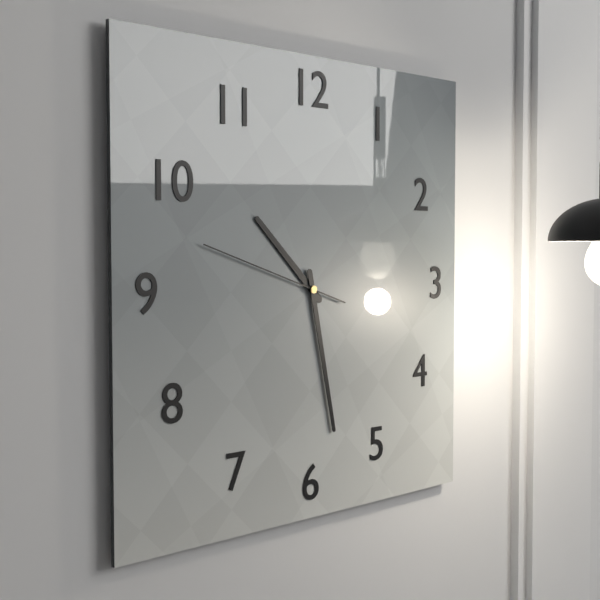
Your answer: 10,28,48
